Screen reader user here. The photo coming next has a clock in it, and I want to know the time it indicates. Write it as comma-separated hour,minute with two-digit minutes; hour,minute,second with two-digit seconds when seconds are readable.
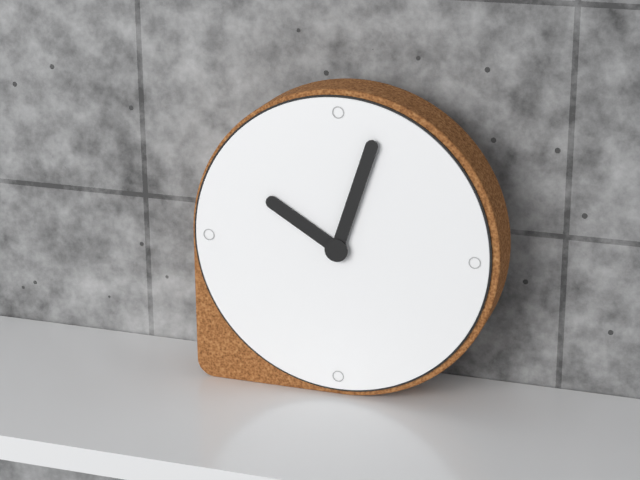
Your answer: 10,03
